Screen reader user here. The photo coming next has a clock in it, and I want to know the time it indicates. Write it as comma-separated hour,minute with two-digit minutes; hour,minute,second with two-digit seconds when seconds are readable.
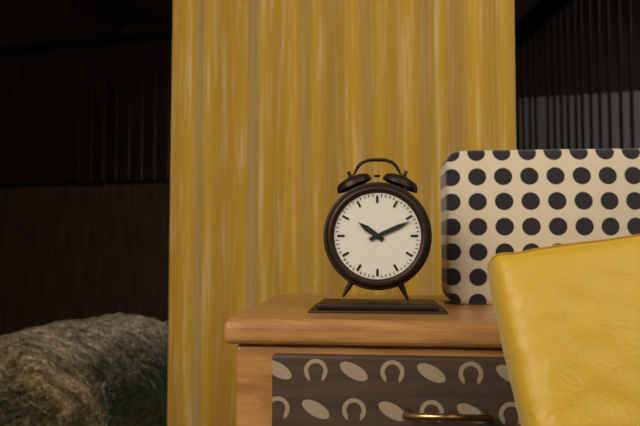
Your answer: 10,11
